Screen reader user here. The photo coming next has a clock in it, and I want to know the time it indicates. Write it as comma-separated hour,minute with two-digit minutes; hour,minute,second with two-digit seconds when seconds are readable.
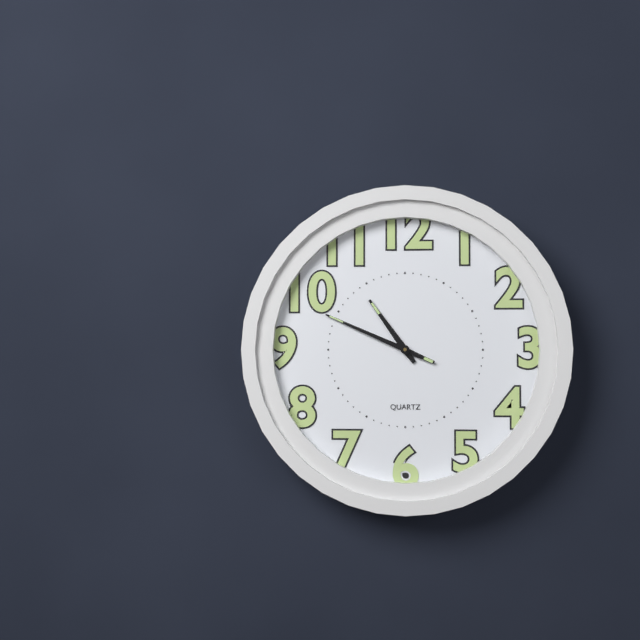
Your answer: 10,49
